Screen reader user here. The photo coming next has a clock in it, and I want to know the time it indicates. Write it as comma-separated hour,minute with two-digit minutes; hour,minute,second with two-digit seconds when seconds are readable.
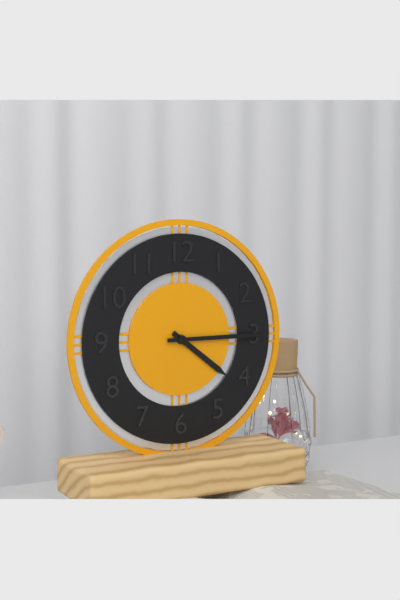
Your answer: 4,15
